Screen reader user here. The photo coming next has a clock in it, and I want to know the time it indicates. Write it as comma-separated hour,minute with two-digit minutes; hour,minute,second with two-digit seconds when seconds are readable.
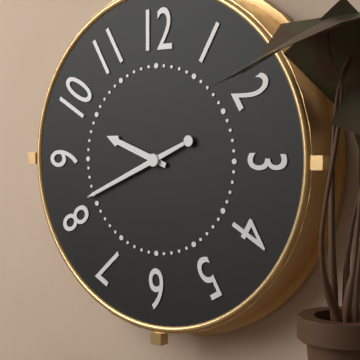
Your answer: 9,41
